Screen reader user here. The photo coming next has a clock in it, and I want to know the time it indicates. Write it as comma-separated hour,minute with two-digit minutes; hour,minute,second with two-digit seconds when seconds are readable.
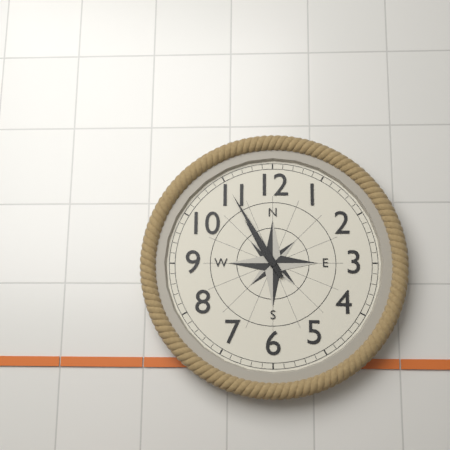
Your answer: 10,55
